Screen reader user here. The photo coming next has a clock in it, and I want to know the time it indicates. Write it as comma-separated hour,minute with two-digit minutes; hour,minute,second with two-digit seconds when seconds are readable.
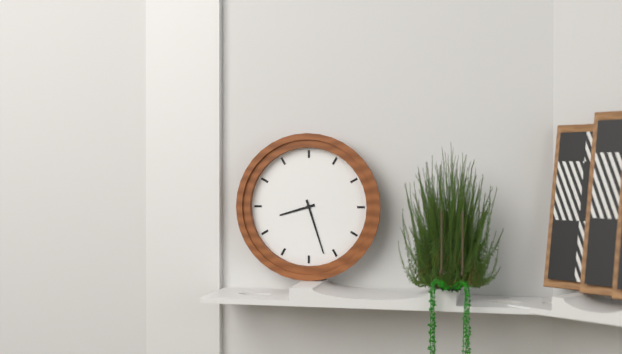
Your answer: 8,27
